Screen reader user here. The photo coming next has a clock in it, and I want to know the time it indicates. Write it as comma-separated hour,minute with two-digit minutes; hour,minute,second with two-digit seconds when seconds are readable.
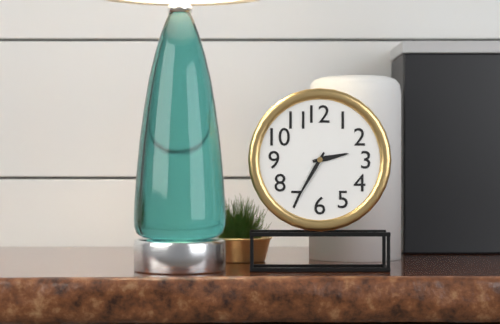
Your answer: 2,35
